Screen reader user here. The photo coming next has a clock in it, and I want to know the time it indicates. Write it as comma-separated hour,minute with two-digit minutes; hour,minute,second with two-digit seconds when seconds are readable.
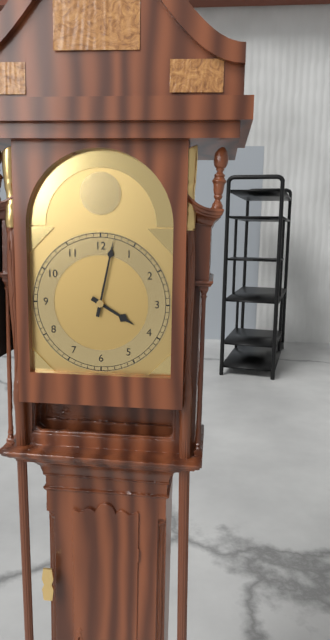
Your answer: 4,02
